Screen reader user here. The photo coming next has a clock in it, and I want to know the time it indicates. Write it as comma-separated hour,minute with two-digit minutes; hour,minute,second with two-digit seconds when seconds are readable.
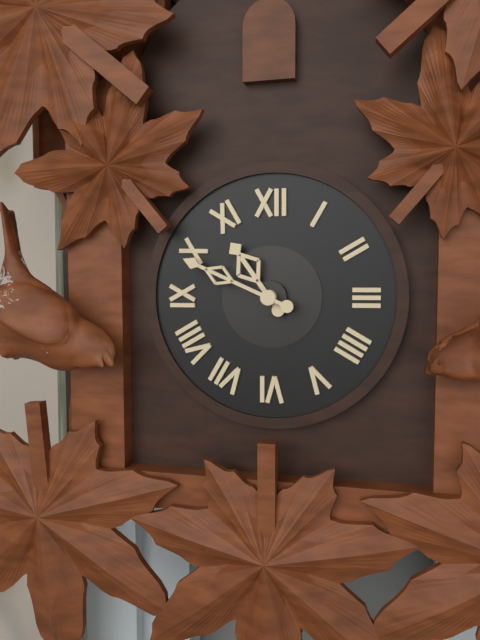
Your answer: 10,49
